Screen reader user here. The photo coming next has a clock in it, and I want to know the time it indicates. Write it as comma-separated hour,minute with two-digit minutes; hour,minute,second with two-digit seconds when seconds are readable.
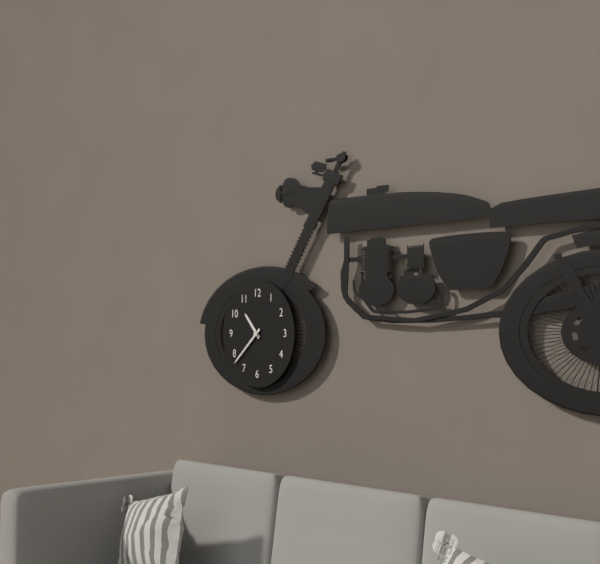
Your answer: 10,38
